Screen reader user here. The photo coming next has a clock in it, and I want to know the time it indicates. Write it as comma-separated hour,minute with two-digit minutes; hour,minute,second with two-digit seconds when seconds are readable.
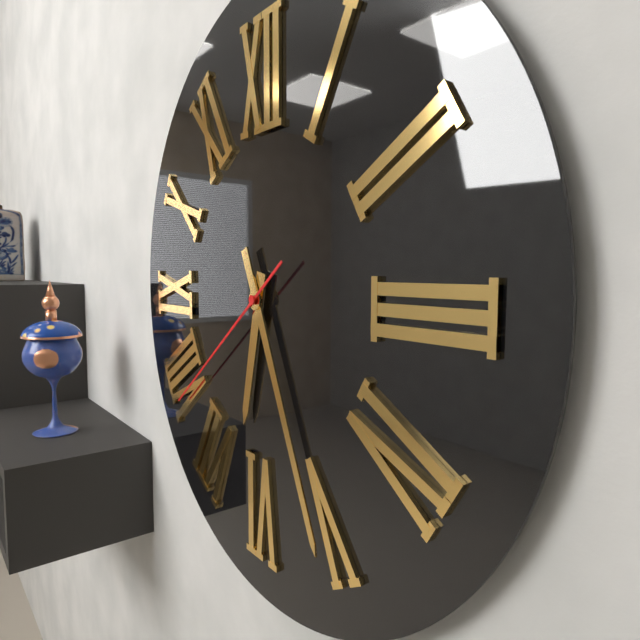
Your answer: 6,26,39
